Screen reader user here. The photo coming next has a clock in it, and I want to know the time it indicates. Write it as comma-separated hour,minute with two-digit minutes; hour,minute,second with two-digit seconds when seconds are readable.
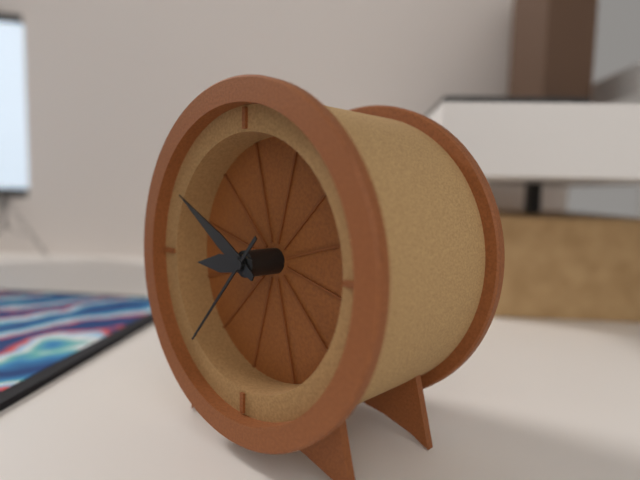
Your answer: 8,50,37
